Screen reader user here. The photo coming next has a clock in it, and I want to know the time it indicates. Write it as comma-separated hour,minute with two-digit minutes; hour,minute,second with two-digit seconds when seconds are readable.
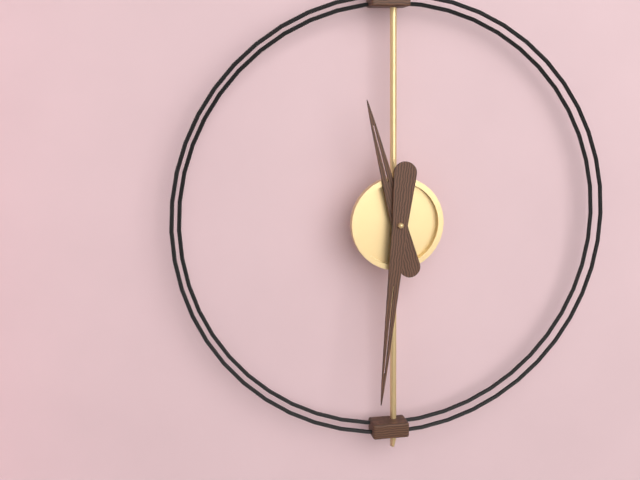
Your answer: 11,31
